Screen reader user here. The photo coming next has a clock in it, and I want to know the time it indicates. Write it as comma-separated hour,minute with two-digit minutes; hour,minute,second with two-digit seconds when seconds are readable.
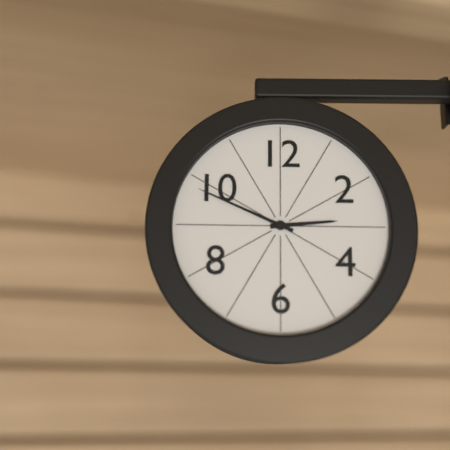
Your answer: 2,49
